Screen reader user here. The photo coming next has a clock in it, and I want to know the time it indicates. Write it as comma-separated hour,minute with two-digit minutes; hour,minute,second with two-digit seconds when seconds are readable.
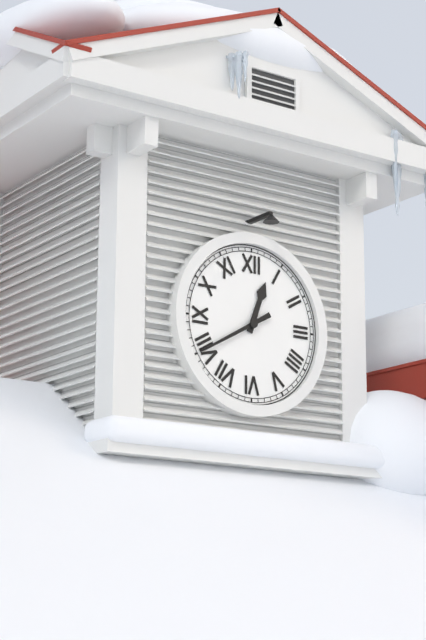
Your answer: 12,40
